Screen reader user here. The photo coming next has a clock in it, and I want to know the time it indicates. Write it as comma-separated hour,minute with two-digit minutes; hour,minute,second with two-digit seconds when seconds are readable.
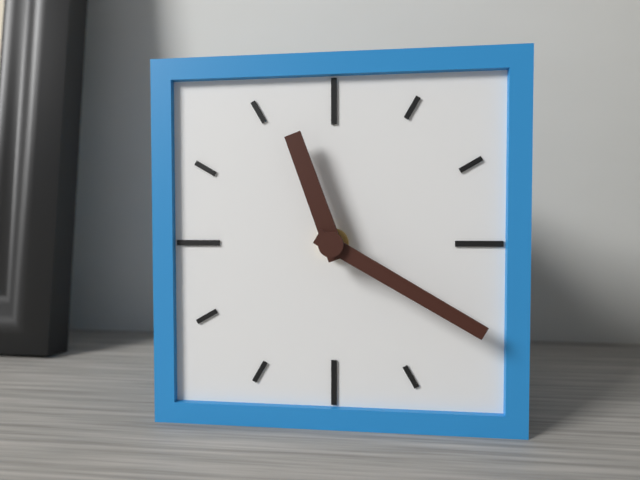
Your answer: 11,20
